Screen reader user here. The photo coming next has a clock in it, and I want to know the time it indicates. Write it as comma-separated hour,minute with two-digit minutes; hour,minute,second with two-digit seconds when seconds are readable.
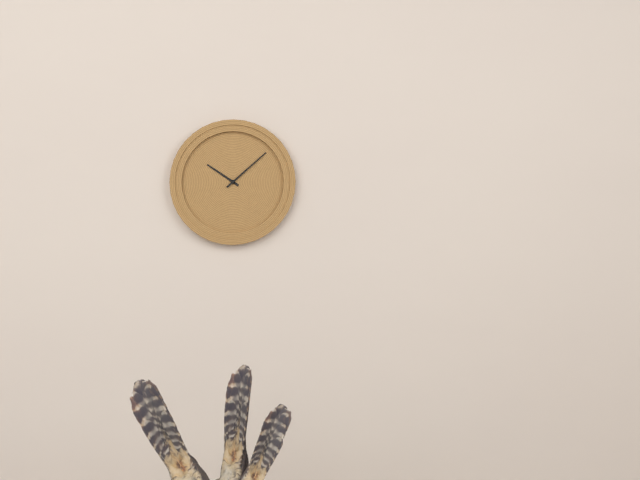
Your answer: 10,08
